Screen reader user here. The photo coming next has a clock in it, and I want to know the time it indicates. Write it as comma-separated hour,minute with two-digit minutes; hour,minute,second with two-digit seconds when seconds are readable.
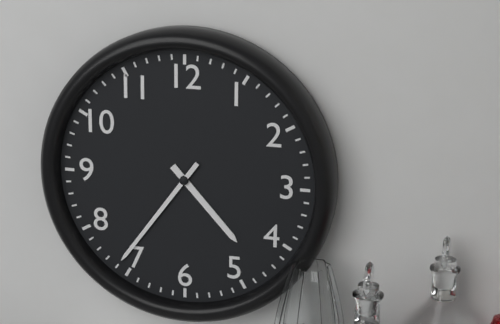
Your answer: 4,36
